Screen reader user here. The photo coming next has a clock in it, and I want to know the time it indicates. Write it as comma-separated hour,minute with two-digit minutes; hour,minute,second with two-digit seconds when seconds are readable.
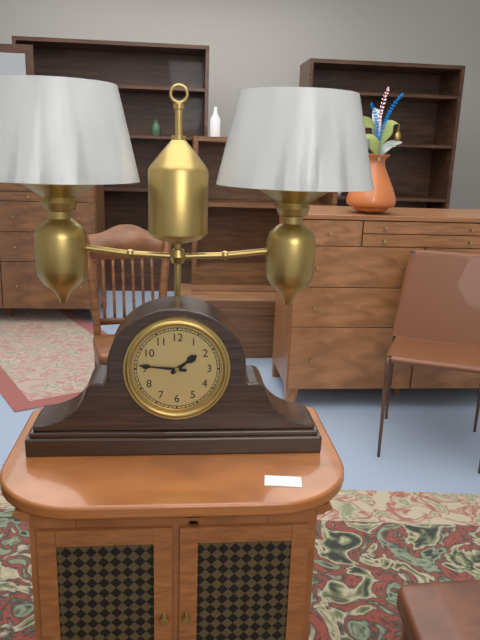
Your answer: 1,46
